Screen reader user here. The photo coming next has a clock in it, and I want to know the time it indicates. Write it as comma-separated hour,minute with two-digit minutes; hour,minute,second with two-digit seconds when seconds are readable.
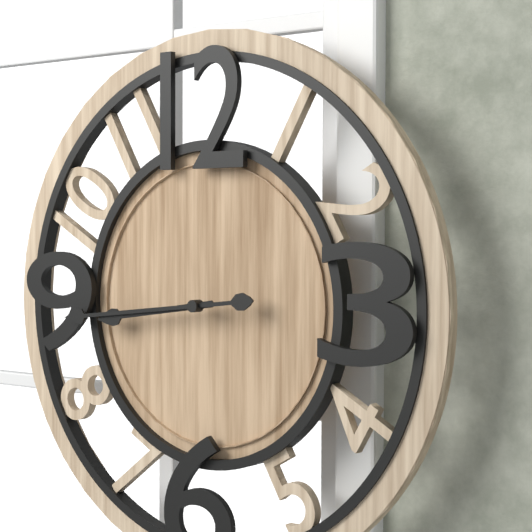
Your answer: 8,44
